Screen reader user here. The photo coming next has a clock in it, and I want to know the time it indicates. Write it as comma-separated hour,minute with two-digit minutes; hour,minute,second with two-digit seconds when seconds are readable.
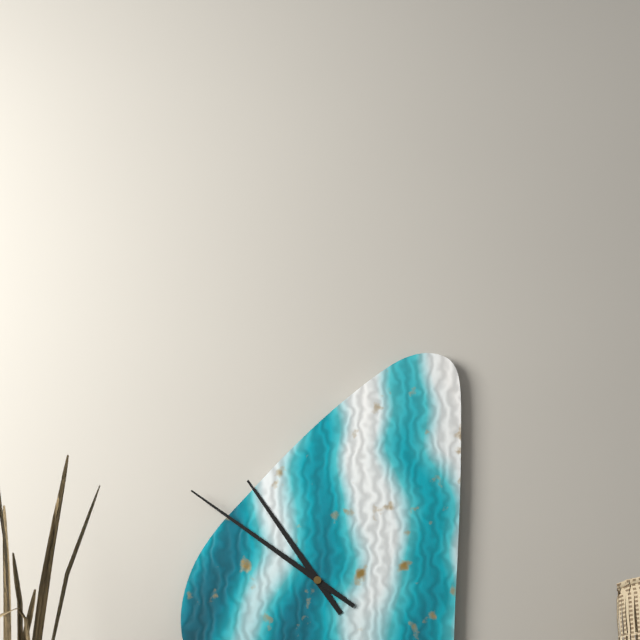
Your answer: 10,51
